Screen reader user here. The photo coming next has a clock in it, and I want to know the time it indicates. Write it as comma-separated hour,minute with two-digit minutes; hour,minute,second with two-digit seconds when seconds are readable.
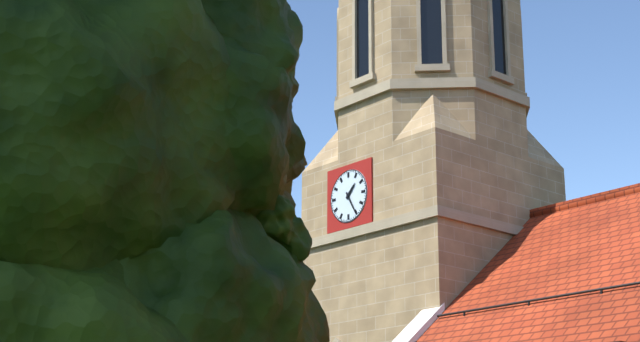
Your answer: 1,25
